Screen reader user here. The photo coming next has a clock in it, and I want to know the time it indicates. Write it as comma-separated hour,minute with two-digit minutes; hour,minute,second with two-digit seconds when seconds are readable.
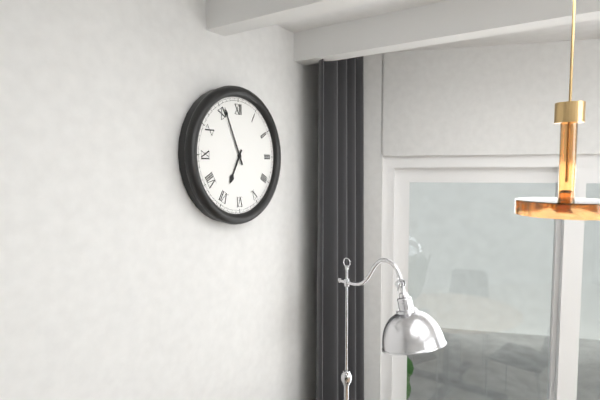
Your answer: 6,56
